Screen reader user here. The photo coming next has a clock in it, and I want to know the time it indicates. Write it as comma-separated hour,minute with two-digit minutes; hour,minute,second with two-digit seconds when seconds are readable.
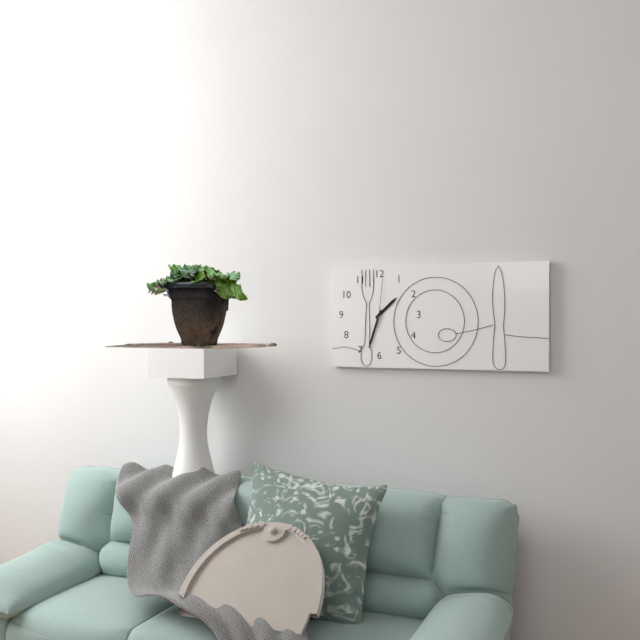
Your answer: 1,33
